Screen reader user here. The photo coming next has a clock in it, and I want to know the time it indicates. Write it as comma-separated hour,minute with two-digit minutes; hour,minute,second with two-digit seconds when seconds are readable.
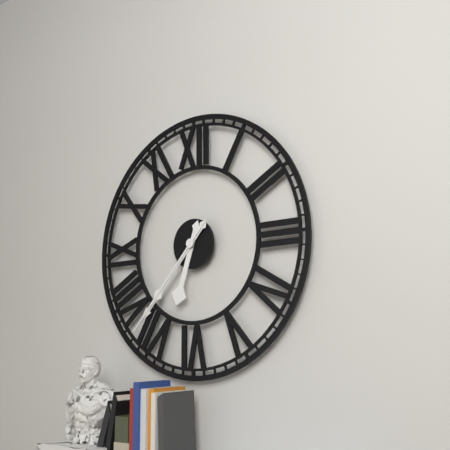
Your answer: 6,37,37
